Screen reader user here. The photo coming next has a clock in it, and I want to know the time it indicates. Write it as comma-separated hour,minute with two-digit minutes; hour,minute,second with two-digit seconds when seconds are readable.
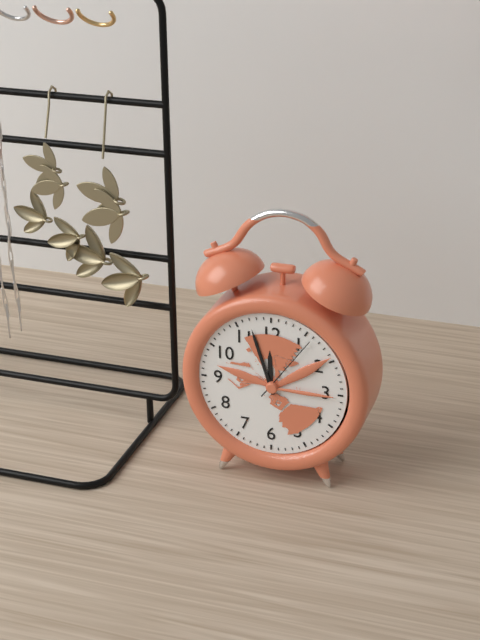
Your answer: 11,57,06
